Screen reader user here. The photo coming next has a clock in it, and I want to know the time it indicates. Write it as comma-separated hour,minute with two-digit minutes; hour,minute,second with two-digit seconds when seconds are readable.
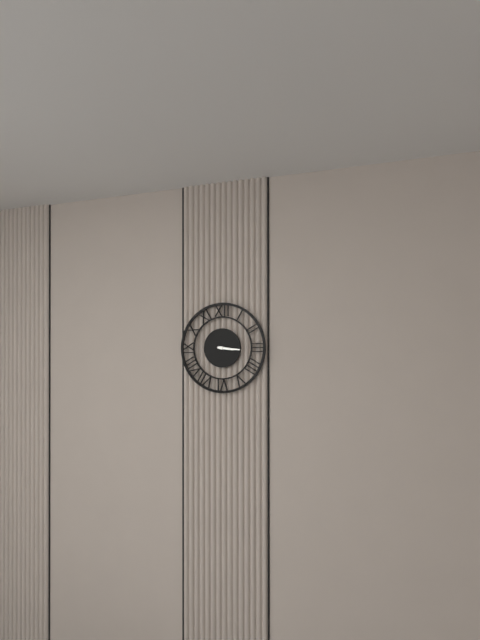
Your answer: 3,16
